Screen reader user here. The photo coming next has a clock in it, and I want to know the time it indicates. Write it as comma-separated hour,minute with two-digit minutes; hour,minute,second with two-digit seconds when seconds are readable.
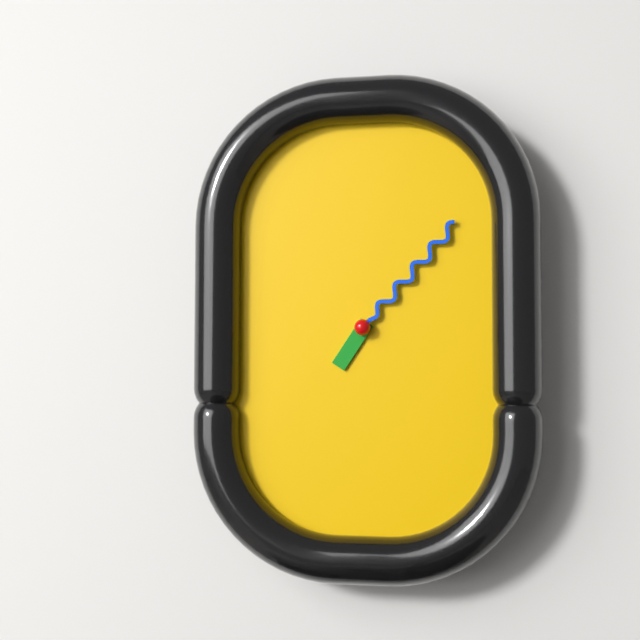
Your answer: 7,07
